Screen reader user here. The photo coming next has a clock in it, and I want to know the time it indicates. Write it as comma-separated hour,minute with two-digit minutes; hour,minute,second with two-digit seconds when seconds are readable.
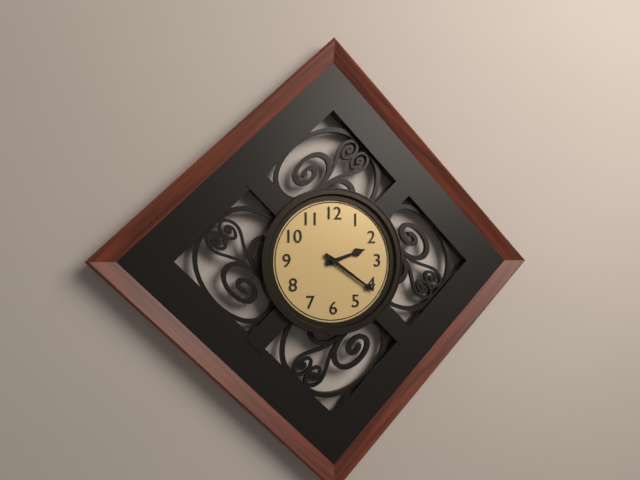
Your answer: 2,21
